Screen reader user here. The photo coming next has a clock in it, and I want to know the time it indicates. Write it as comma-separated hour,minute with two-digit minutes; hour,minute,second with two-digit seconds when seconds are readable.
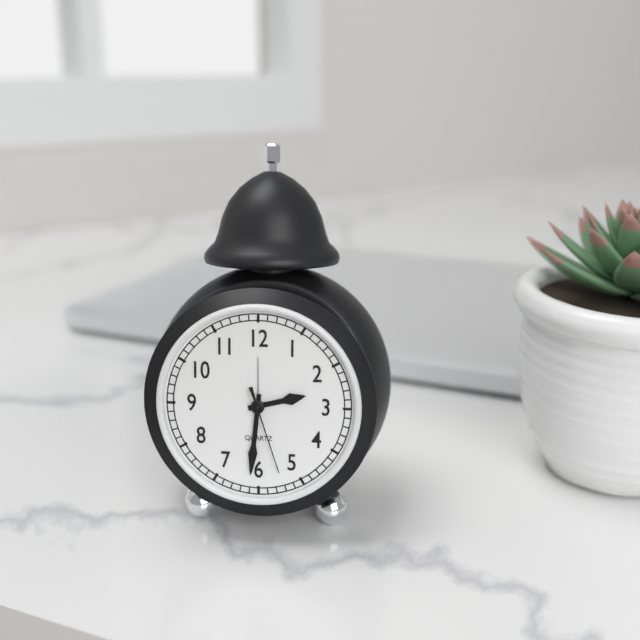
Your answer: 2,31,27
